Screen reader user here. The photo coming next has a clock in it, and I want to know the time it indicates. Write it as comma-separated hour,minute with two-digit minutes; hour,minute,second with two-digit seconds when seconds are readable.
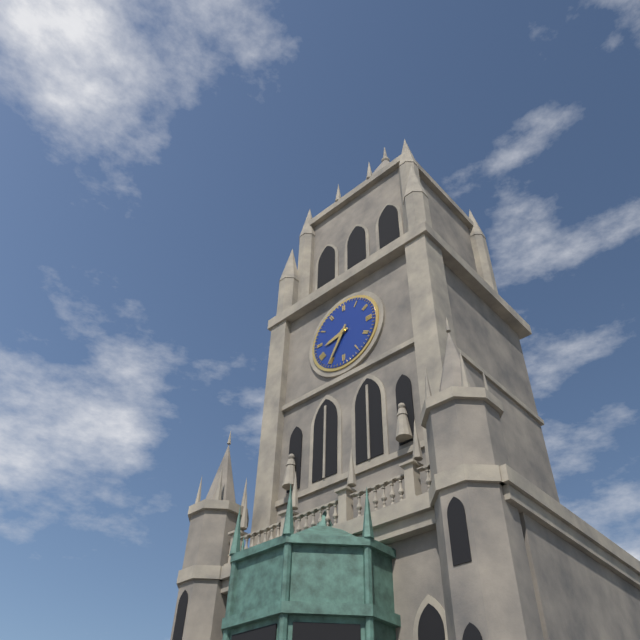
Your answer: 8,35
